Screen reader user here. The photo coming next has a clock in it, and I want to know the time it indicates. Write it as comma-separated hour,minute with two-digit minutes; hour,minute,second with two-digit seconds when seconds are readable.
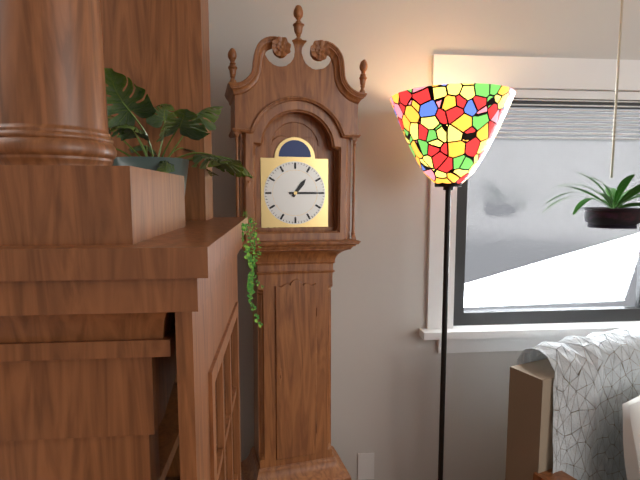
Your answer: 1,15
